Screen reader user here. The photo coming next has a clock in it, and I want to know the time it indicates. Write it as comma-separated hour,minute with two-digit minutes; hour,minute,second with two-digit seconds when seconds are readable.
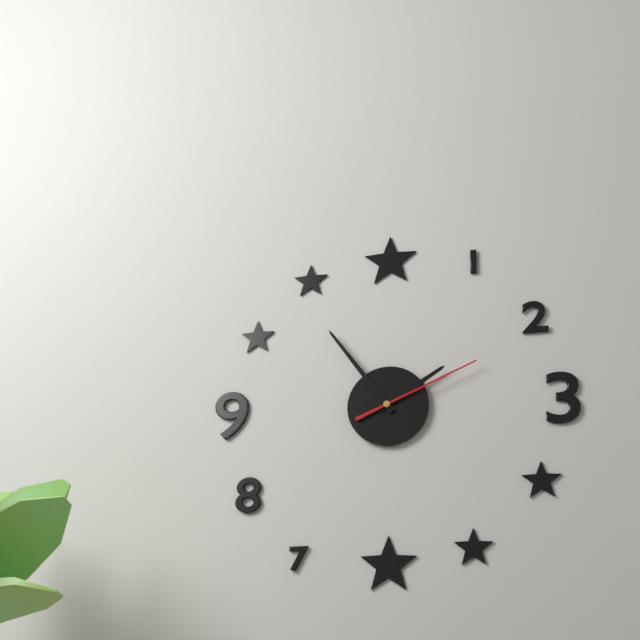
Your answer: 1,54,11
